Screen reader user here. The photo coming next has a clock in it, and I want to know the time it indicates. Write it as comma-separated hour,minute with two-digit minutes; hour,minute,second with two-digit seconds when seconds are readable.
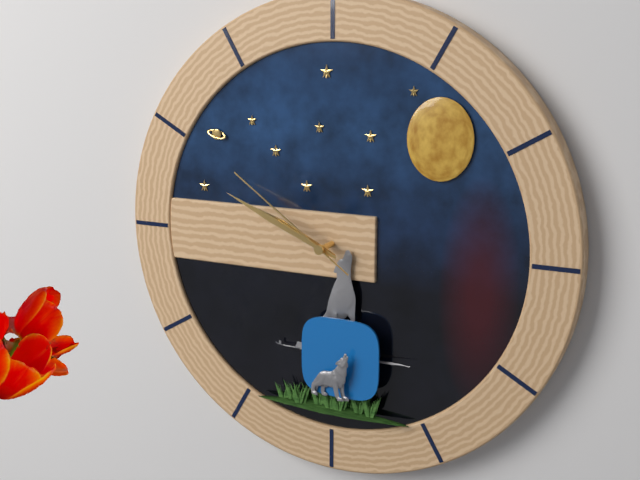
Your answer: 9,49,51
